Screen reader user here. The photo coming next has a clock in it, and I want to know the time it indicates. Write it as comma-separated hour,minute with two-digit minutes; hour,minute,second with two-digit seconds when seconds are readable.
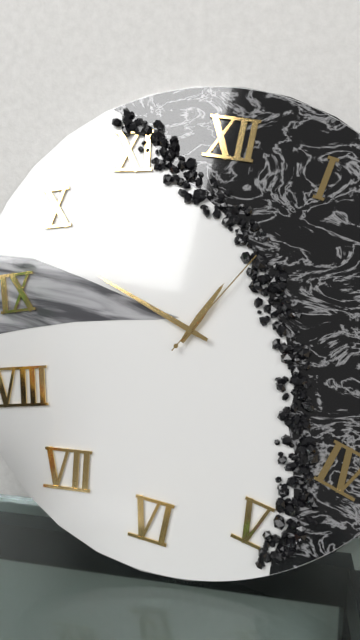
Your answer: 12,48,05
